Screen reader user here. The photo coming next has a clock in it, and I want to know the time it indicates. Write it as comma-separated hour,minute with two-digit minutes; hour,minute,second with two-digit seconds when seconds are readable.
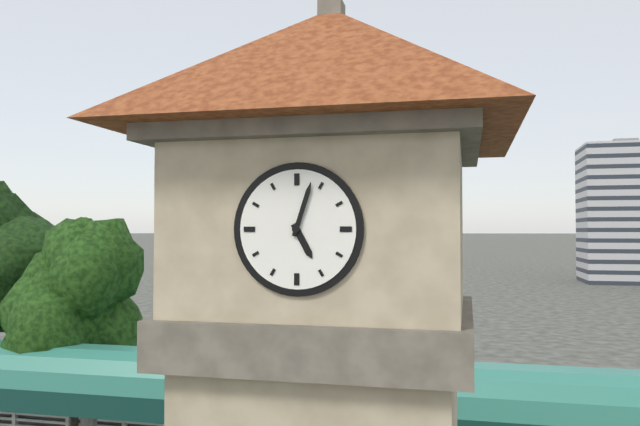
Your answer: 5,03
